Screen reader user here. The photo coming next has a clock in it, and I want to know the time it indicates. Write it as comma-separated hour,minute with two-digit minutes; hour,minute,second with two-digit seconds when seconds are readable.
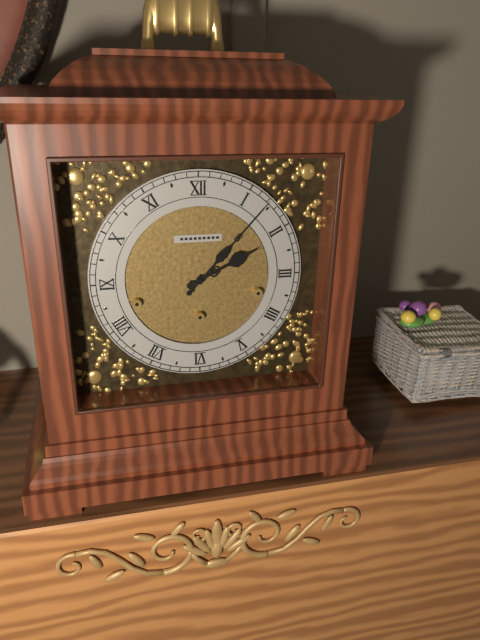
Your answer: 2,07
